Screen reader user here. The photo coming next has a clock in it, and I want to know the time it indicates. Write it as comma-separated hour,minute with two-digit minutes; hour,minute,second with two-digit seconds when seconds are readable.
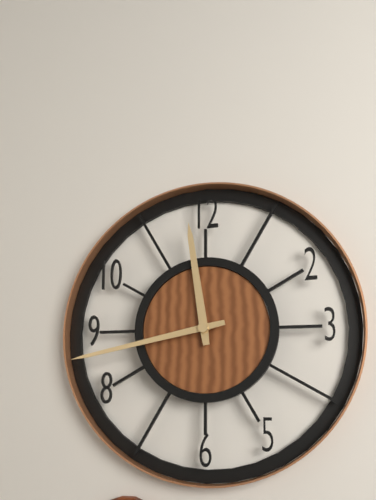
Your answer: 11,43
